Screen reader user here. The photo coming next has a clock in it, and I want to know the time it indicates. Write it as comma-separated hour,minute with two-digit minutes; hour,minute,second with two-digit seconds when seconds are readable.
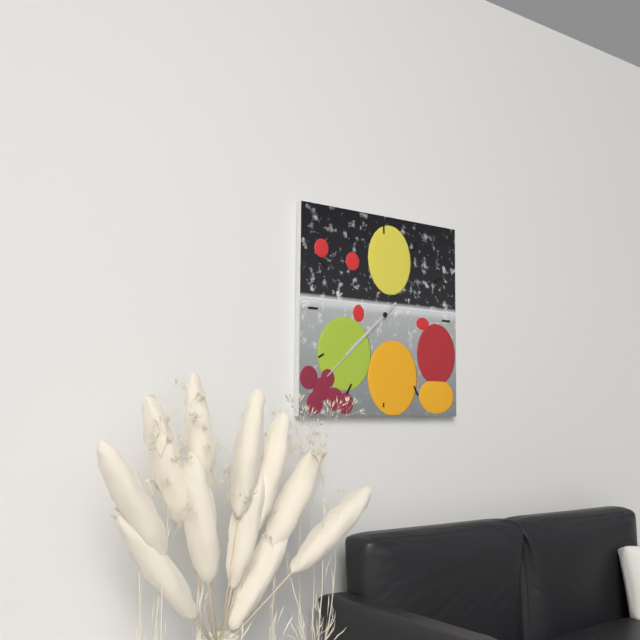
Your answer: 7,38
